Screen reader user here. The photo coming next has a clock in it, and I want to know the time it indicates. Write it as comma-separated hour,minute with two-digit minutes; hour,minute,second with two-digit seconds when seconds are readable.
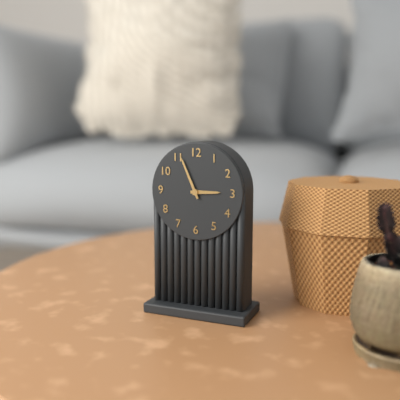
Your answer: 2,56
